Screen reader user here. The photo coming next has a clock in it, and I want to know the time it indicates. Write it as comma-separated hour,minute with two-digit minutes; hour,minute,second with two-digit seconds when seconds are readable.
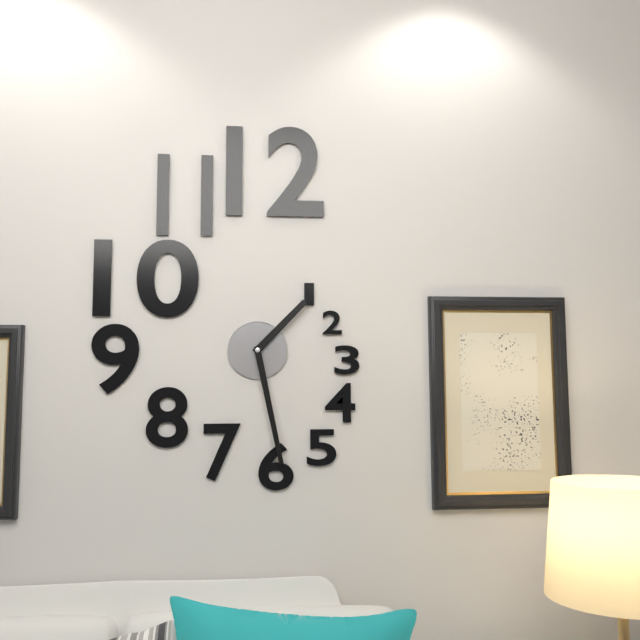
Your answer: 1,28
